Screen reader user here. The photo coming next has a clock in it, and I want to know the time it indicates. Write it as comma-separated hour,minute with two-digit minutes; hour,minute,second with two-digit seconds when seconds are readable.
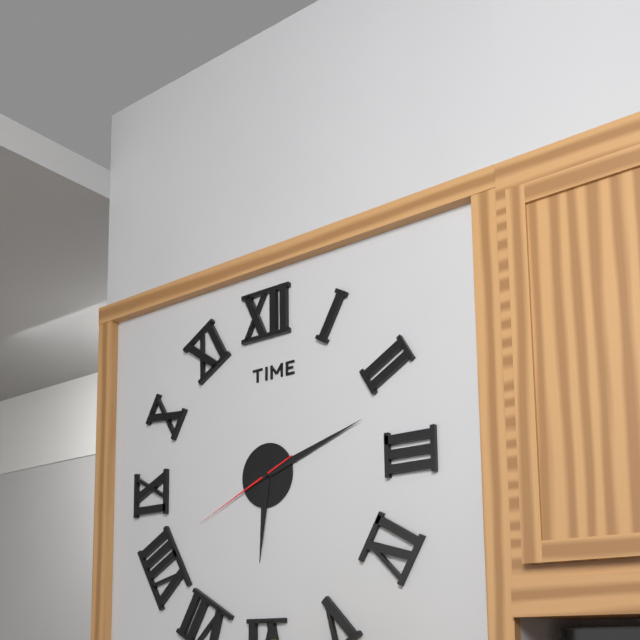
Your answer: 6,12,41
